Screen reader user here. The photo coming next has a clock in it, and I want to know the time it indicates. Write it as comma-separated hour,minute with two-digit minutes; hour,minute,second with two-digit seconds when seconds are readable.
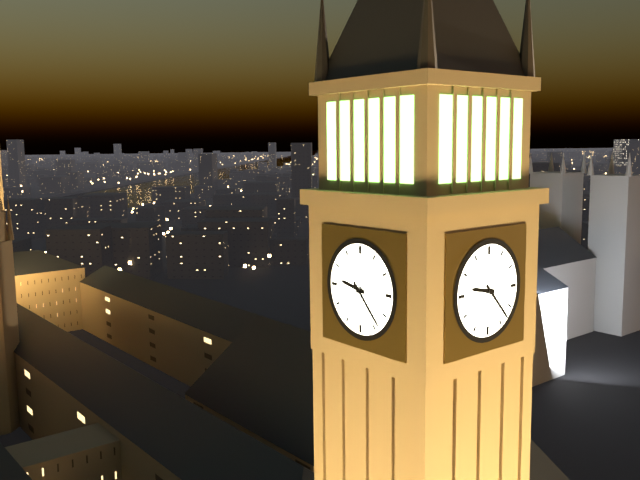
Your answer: 9,23
